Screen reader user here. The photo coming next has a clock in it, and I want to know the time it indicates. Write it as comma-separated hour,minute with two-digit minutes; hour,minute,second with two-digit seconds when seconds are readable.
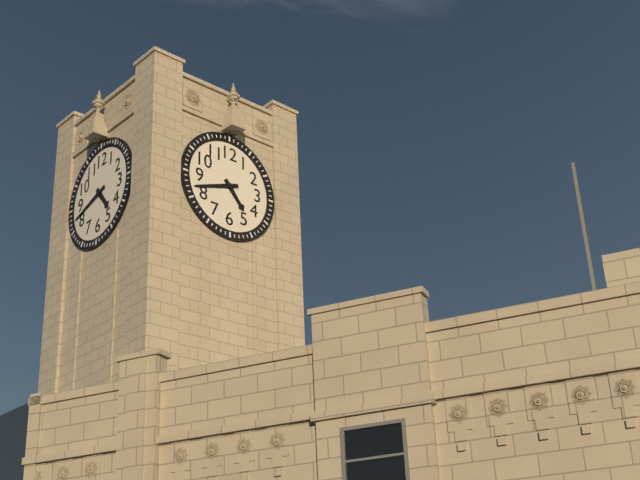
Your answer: 4,42
